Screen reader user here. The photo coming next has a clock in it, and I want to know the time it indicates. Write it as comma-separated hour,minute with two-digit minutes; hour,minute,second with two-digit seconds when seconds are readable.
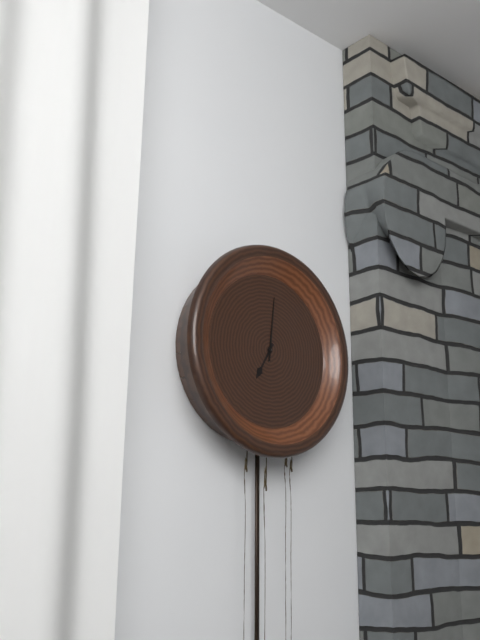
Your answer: 7,01
